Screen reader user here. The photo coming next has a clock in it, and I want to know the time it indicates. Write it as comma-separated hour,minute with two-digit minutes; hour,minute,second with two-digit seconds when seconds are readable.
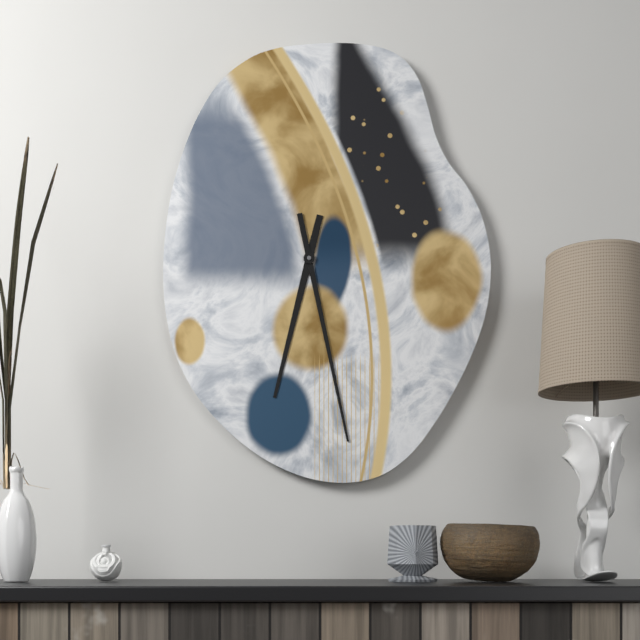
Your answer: 6,28
